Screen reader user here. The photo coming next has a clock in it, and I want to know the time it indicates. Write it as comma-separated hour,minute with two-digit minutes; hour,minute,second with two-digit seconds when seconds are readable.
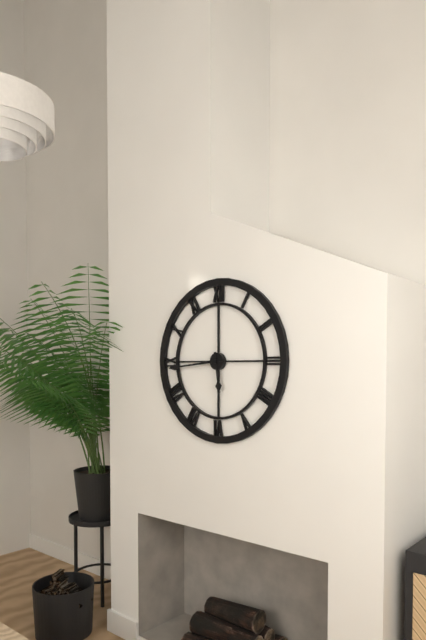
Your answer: 5,44
